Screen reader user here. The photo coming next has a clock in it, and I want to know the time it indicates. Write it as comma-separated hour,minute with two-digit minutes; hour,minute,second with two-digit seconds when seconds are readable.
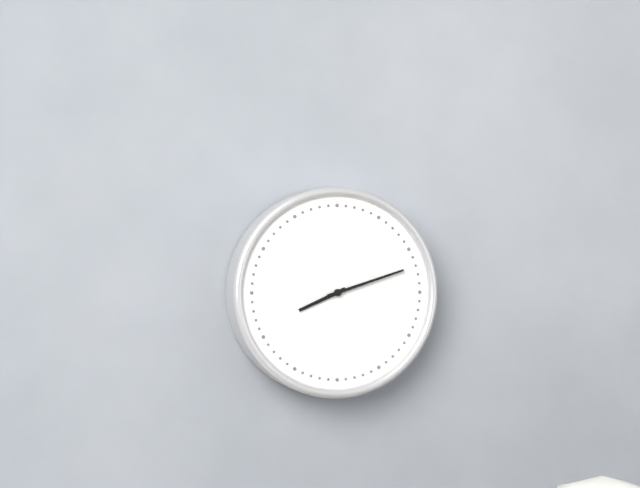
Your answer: 8,12
